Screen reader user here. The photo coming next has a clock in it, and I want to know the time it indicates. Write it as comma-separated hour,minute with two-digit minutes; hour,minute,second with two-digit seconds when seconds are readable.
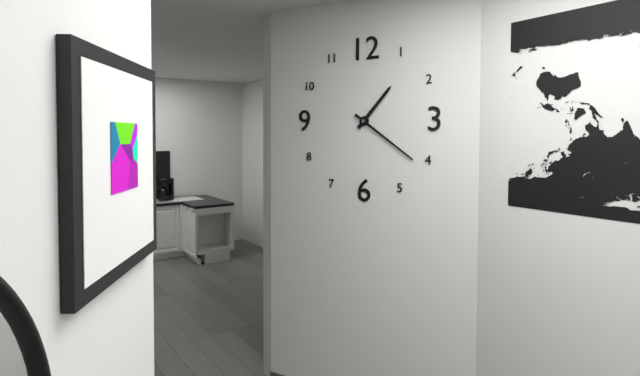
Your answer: 1,21
